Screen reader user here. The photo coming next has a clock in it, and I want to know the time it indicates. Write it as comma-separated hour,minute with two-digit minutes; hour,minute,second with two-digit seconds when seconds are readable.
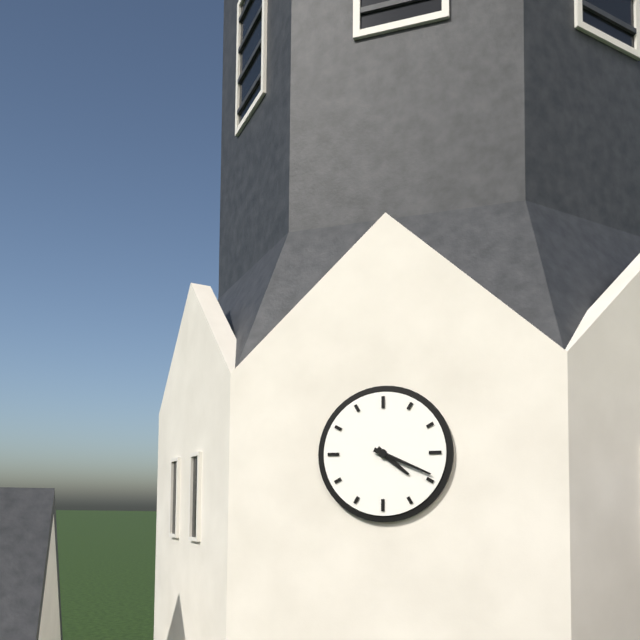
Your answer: 4,19
